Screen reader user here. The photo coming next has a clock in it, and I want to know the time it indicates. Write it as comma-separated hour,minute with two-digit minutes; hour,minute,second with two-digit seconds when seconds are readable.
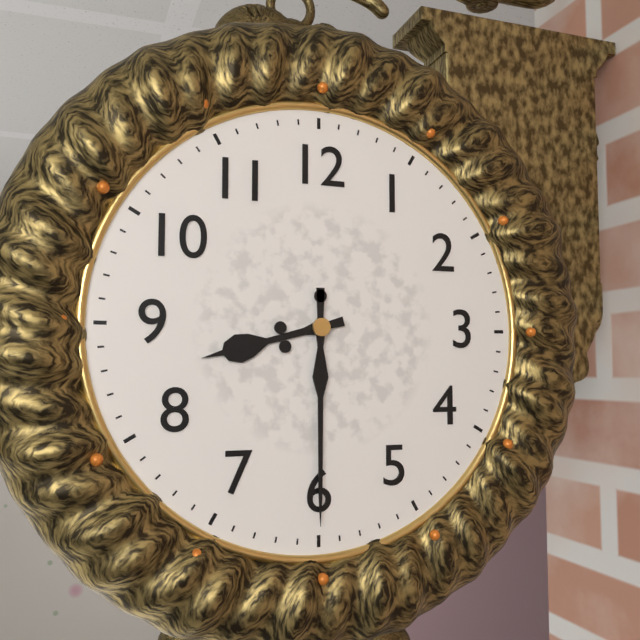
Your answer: 8,30
